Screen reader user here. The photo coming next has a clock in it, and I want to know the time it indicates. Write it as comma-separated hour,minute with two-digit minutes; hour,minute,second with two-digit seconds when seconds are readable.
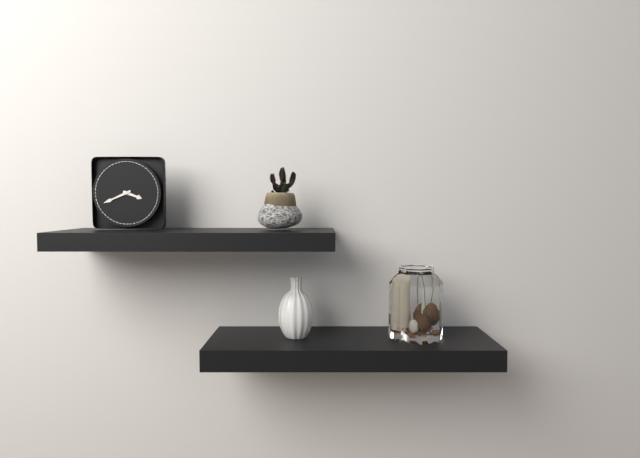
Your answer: 3,41
